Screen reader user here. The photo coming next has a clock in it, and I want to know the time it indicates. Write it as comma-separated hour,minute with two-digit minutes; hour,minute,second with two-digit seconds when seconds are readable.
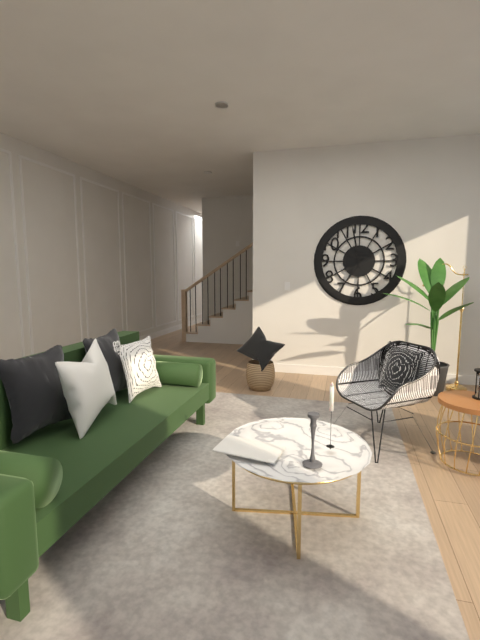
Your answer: 6,58
